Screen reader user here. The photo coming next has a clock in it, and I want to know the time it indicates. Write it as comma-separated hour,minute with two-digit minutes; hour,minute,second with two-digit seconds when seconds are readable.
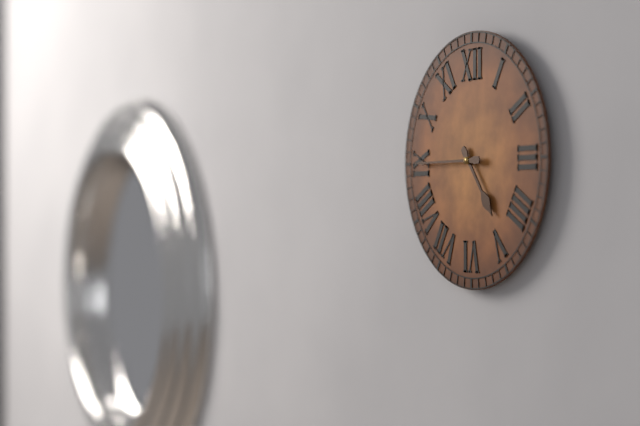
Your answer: 4,45
